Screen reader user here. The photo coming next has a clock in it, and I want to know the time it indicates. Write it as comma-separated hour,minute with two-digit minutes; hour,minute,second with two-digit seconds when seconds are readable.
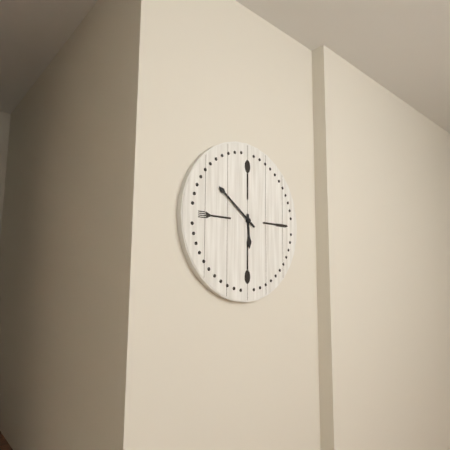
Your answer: 5,51
